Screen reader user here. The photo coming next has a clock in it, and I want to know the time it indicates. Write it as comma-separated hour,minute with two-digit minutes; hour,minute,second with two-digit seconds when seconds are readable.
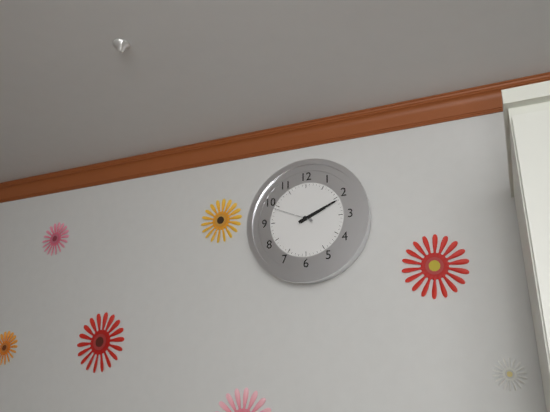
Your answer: 2,11
